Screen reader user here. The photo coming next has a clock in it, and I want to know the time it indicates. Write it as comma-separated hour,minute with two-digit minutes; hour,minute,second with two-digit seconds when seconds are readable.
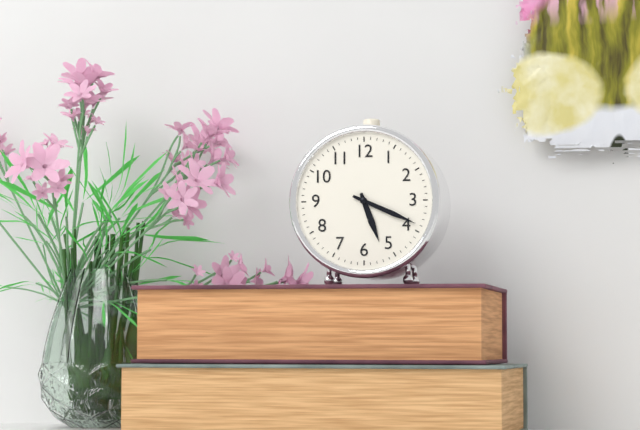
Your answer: 5,19
